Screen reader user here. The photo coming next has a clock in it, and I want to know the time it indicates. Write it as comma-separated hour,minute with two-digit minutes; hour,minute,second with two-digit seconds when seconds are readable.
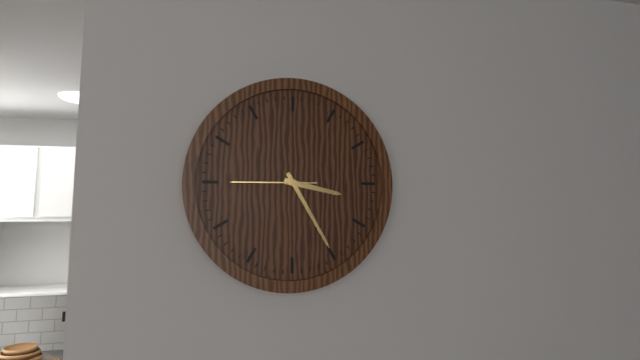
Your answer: 3,25,45
